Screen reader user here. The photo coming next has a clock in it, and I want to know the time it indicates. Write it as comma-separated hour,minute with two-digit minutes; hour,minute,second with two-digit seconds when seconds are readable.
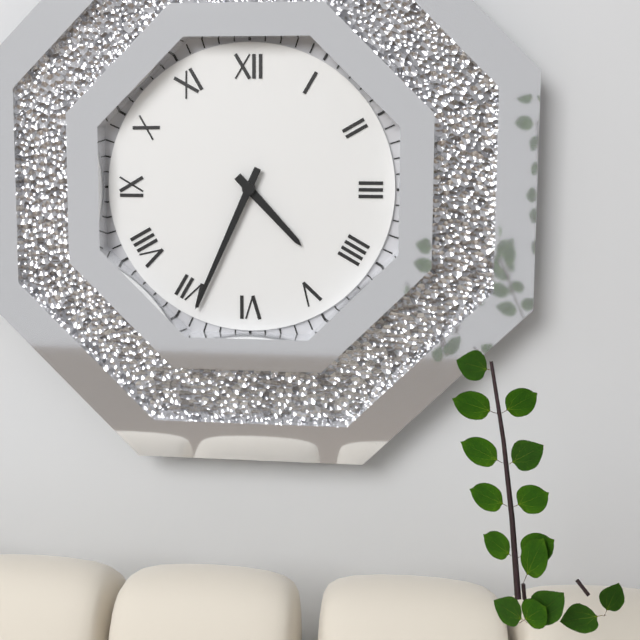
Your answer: 4,34
